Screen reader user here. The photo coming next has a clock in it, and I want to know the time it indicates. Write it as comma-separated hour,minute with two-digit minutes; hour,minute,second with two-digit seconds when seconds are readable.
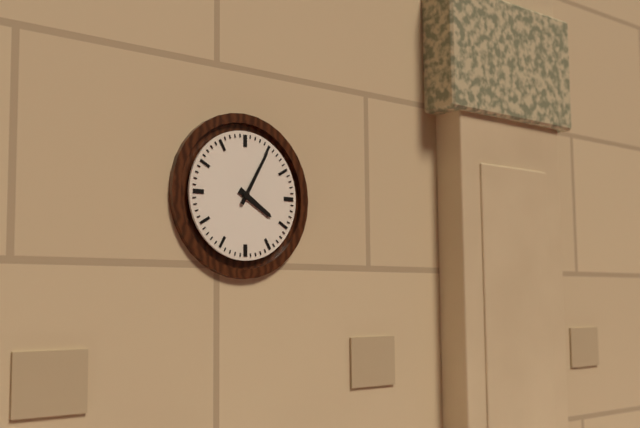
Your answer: 4,05
